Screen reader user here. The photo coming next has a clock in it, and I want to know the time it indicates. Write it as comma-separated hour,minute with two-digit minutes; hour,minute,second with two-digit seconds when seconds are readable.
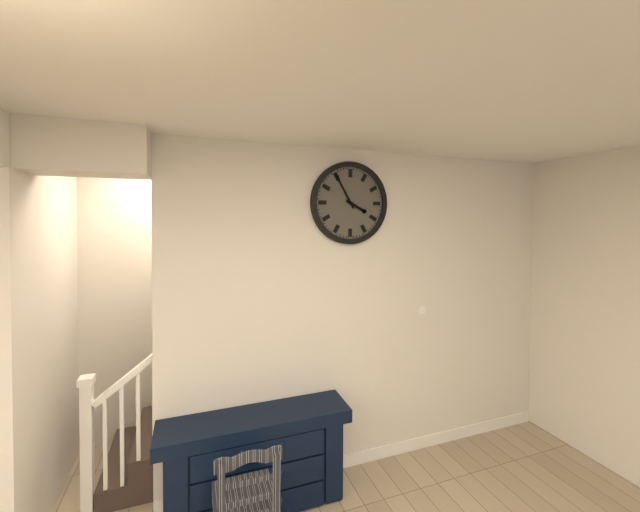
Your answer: 3,55
